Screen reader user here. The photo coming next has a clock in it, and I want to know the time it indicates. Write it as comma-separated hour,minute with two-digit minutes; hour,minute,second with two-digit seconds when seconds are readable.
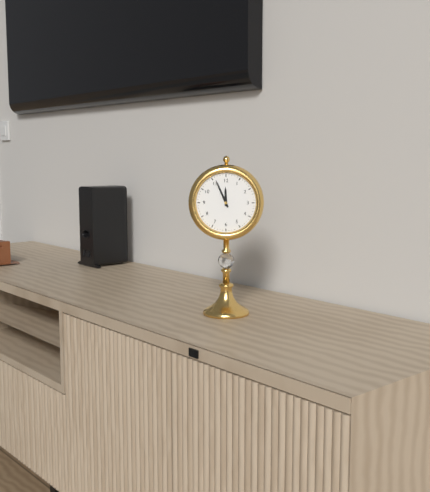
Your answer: 11,56
